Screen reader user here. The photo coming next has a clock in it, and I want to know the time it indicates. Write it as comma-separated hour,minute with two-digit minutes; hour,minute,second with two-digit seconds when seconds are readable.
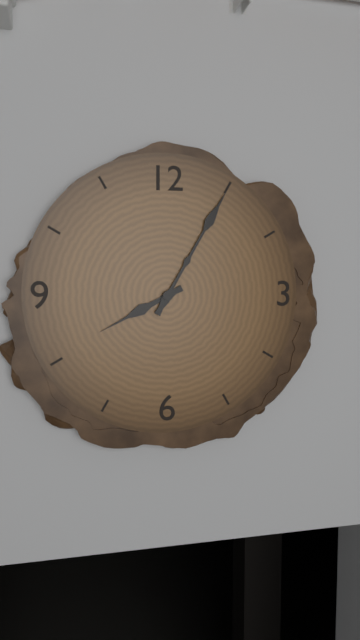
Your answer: 8,05
